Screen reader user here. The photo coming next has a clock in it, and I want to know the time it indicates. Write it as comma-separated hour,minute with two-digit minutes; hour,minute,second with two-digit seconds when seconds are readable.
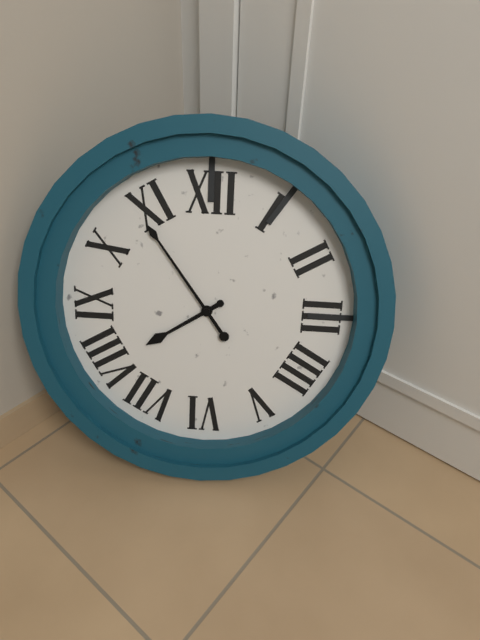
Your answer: 7,54
